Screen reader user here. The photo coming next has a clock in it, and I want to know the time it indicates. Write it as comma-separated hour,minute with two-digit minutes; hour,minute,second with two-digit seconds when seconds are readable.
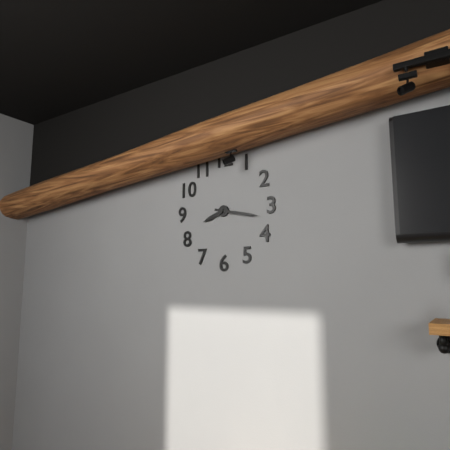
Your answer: 8,17
